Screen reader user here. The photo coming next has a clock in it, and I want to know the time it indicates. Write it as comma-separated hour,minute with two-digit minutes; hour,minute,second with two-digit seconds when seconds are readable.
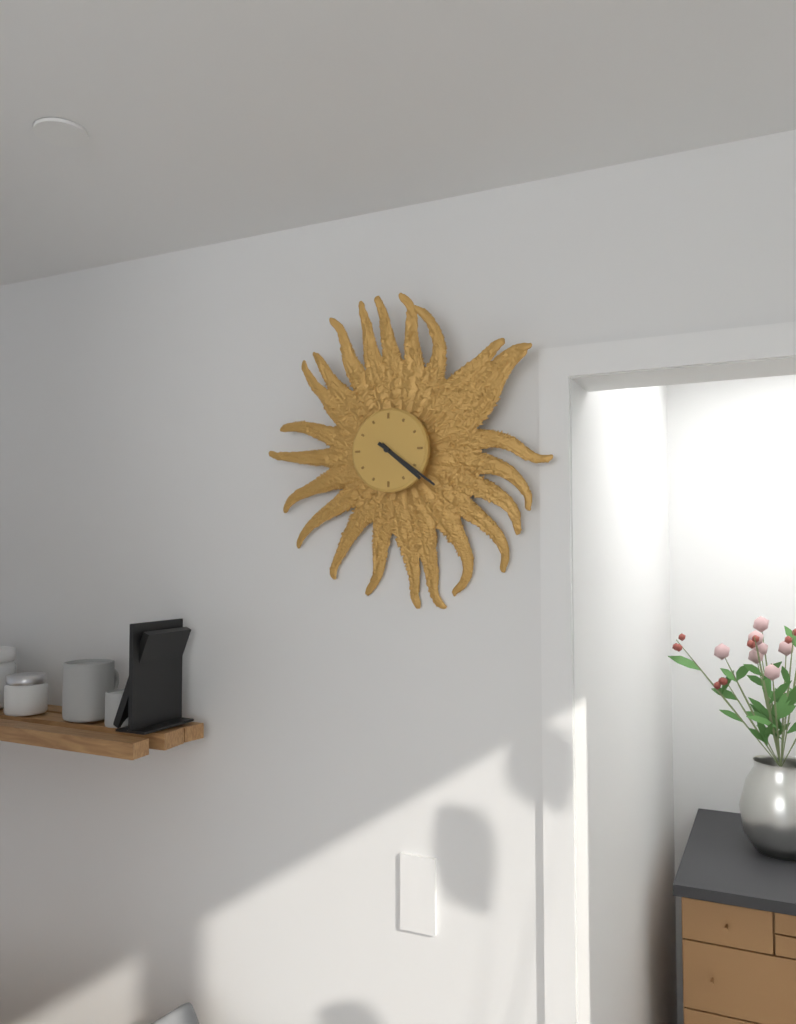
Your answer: 4,21
